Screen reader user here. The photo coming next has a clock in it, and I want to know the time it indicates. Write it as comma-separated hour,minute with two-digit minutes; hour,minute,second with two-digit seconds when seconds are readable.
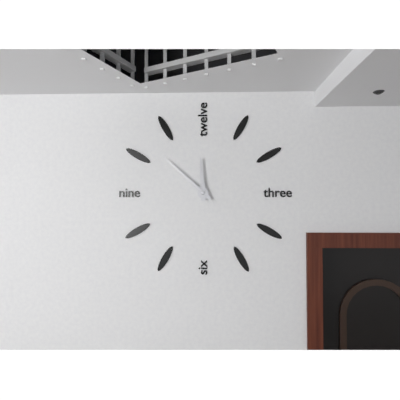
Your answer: 11,52
